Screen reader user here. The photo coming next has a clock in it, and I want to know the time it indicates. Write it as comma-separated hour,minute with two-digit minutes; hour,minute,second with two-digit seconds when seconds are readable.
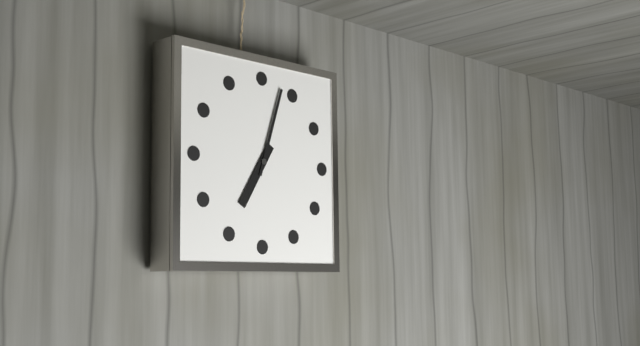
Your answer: 7,03
